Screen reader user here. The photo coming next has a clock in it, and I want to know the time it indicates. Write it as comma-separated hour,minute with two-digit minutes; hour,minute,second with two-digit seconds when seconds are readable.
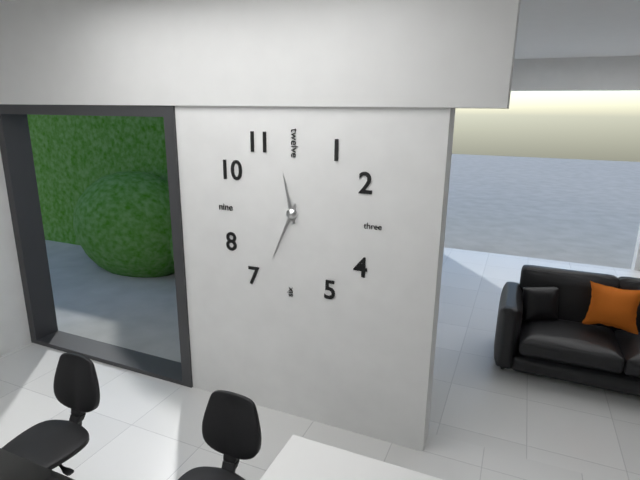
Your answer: 11,34
